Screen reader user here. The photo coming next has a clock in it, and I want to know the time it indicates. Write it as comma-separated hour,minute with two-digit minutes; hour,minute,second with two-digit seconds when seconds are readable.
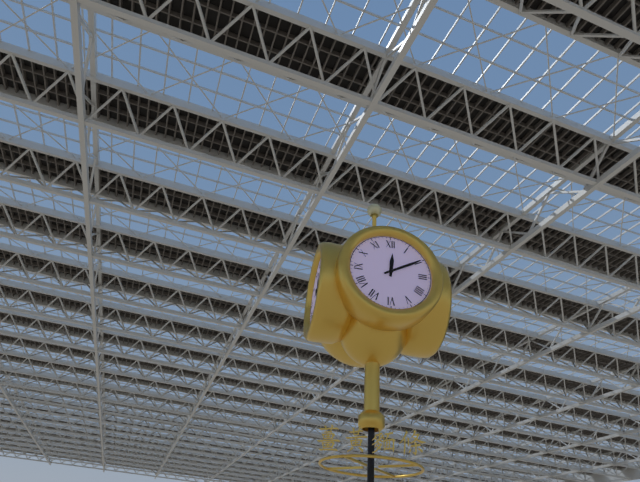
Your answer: 12,10
